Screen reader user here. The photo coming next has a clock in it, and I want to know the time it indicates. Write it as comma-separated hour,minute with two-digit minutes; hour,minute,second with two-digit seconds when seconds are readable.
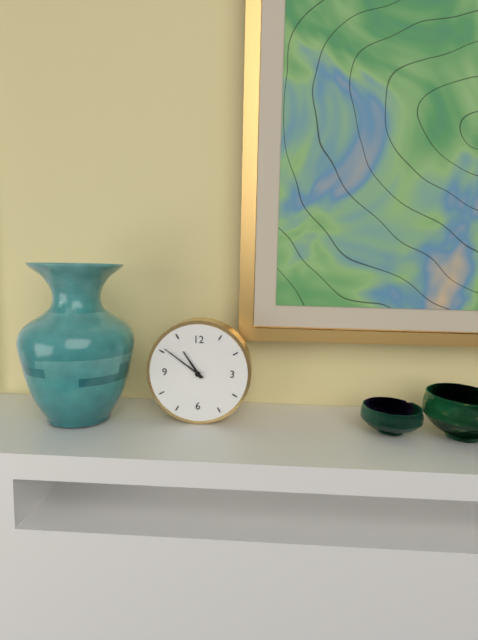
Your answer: 10,51
